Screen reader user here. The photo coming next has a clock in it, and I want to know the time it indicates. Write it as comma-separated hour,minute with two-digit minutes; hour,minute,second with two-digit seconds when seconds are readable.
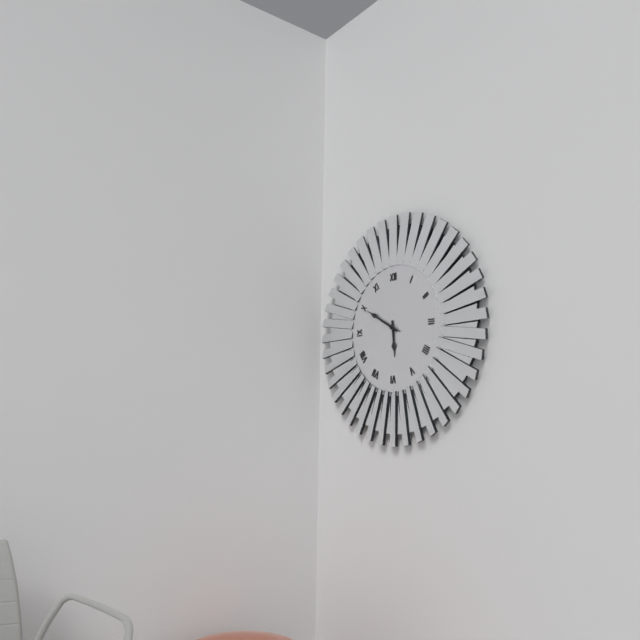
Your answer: 5,50
